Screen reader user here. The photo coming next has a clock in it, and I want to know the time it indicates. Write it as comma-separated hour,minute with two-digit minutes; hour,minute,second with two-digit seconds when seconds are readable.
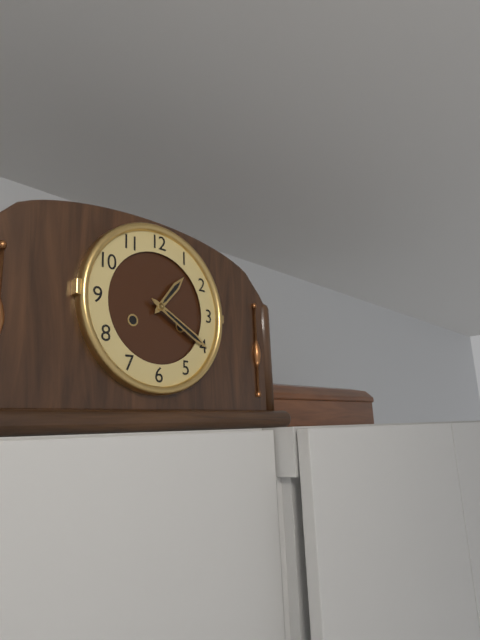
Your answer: 1,20
